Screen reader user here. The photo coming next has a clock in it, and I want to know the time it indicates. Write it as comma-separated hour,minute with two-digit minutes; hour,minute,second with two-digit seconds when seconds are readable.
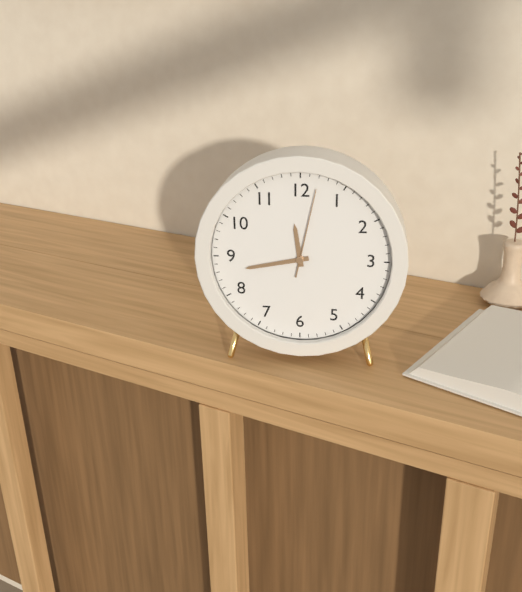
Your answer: 11,43,02
